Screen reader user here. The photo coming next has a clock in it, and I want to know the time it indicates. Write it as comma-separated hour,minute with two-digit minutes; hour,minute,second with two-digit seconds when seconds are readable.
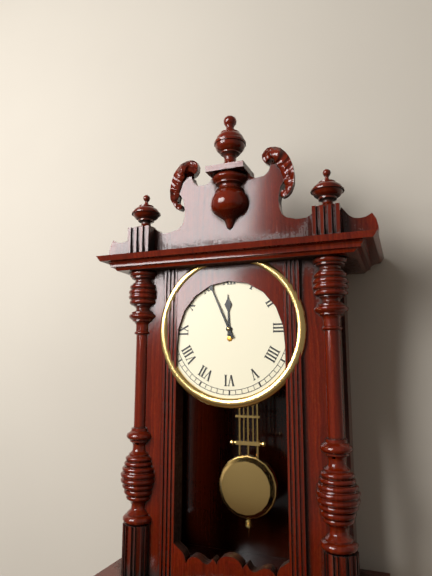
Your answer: 11,56
